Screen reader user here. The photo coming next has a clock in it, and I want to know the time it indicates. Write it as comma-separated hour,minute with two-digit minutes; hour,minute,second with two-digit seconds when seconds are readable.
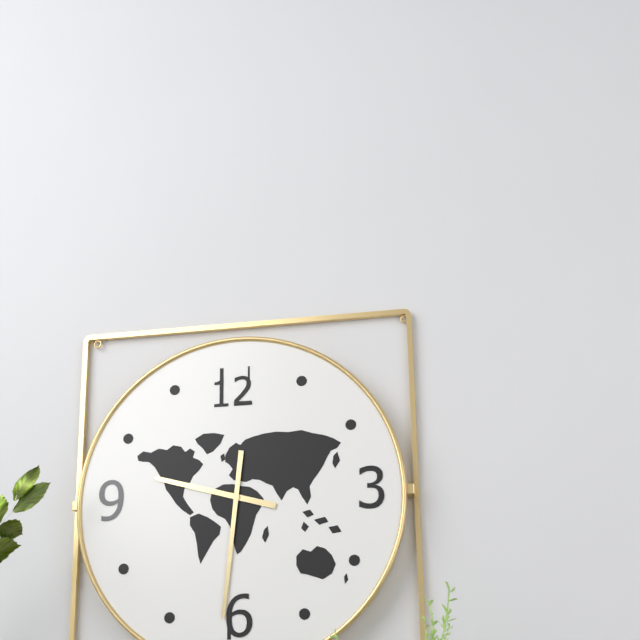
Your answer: 9,31
